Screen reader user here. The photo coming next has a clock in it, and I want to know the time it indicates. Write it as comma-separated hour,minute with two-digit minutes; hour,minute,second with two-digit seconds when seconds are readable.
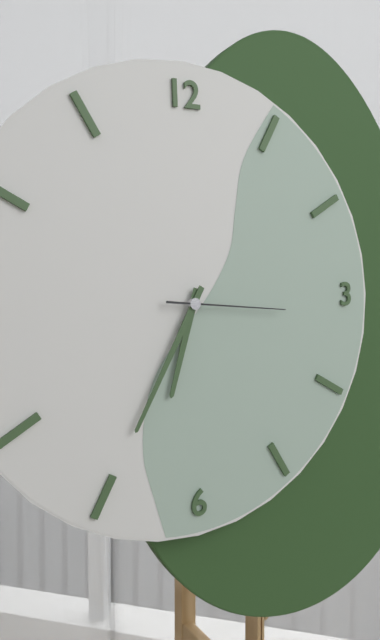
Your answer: 6,35,16
